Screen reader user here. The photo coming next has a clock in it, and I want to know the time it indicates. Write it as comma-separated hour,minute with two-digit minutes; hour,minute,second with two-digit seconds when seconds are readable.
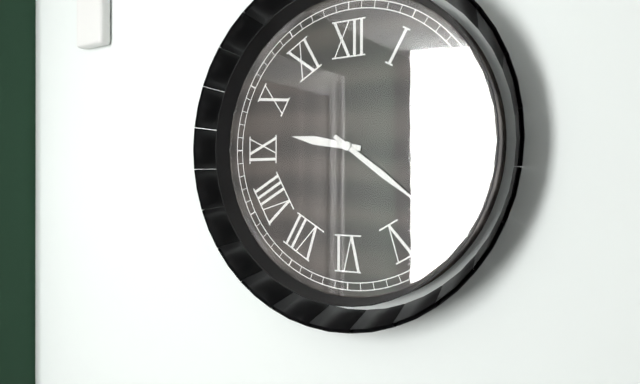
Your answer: 9,21
